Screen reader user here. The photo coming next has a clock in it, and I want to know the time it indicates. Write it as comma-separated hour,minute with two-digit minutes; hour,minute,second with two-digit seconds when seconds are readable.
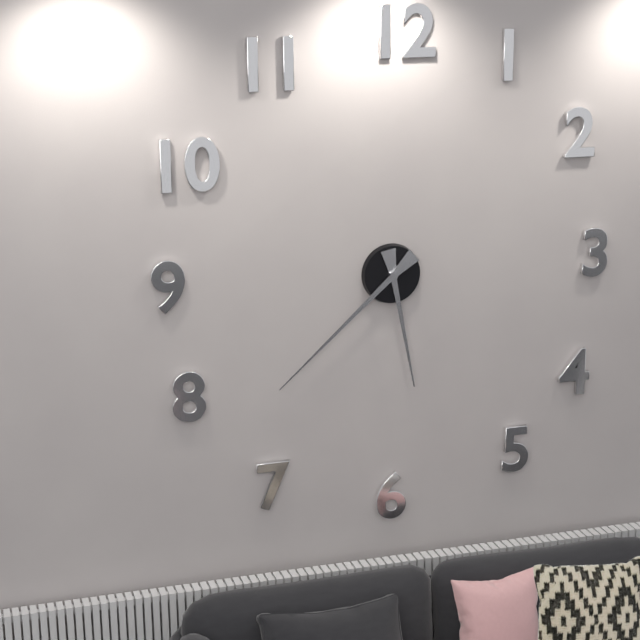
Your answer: 5,38
